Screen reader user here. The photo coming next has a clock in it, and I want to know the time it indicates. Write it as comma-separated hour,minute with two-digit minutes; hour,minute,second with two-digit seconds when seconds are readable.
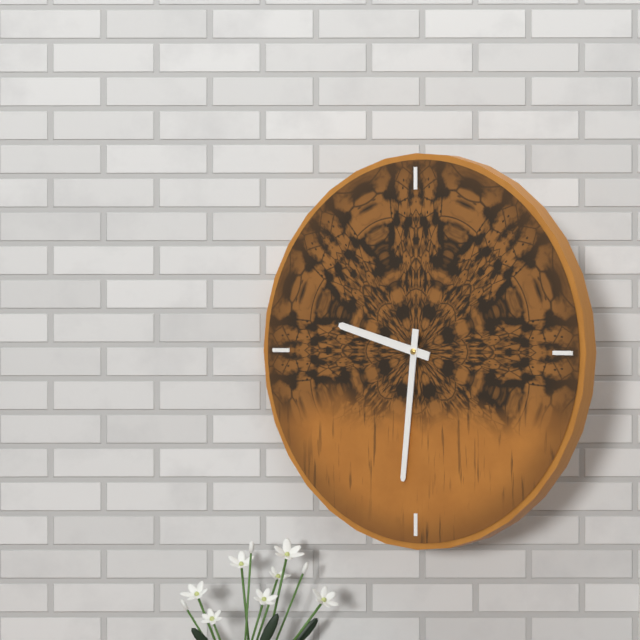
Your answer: 9,31
